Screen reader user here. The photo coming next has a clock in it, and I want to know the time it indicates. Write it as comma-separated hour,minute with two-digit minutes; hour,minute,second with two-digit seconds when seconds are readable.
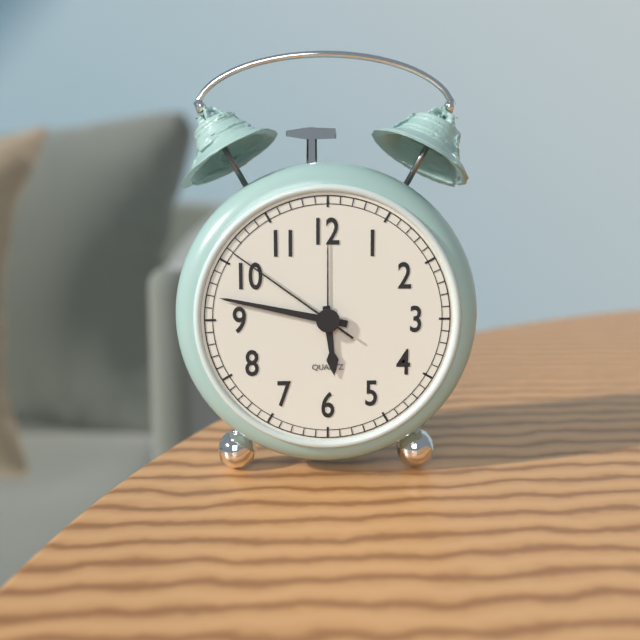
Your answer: 5,47,51
